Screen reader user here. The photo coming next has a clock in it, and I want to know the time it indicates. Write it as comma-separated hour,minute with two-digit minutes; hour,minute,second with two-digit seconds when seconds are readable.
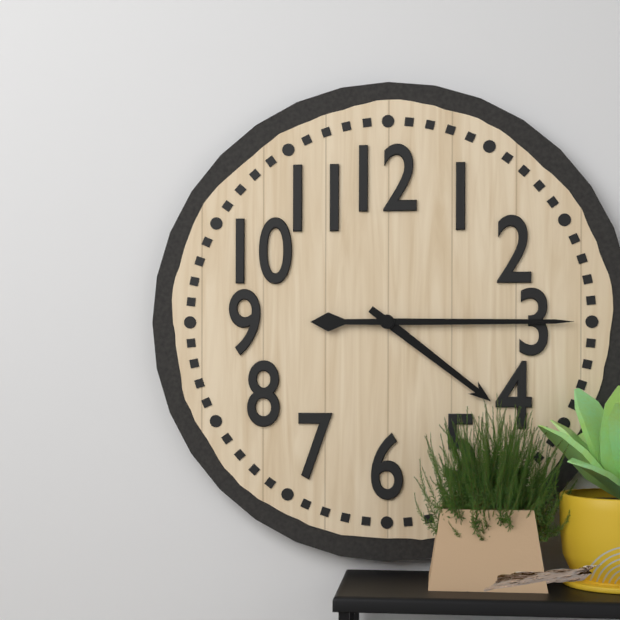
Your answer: 4,15
